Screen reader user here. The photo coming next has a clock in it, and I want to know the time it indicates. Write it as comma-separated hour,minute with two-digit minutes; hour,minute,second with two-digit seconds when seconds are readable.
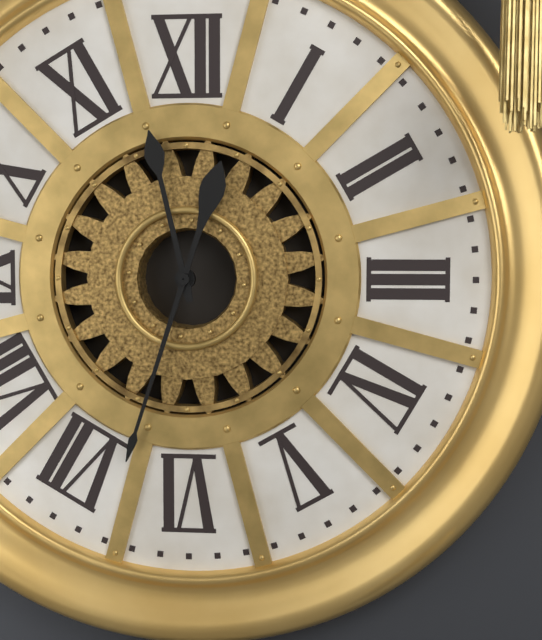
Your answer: 11,33
